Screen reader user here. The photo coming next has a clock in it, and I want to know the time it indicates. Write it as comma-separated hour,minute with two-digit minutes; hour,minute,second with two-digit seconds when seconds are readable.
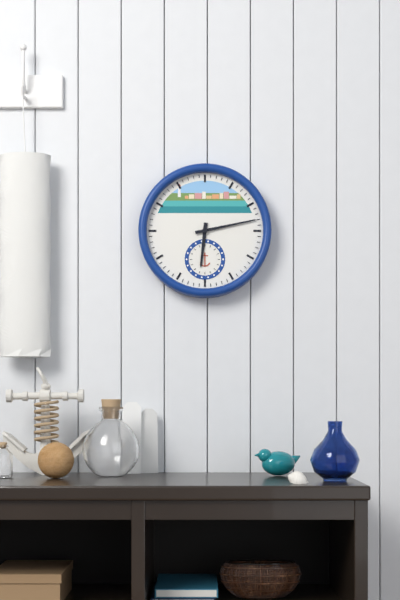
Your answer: 6,13
